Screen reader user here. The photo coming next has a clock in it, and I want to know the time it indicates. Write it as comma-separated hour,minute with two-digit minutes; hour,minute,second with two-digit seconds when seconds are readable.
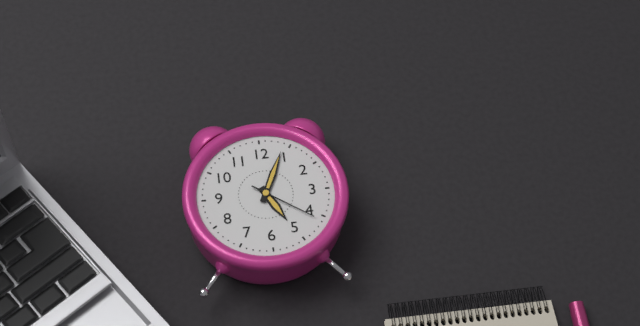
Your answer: 5,04,21
